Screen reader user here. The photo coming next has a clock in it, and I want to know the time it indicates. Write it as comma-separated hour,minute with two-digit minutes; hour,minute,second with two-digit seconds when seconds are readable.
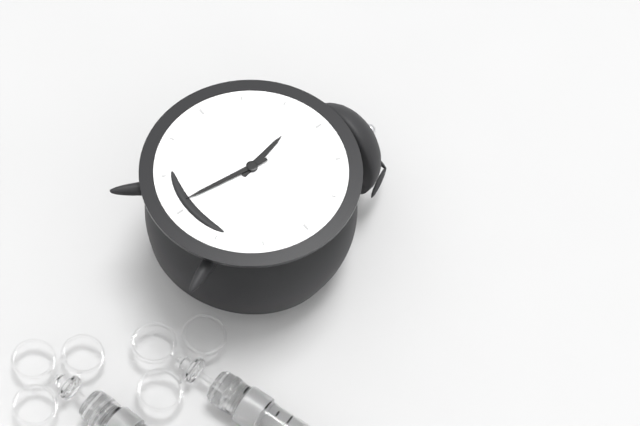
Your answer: 11,31
